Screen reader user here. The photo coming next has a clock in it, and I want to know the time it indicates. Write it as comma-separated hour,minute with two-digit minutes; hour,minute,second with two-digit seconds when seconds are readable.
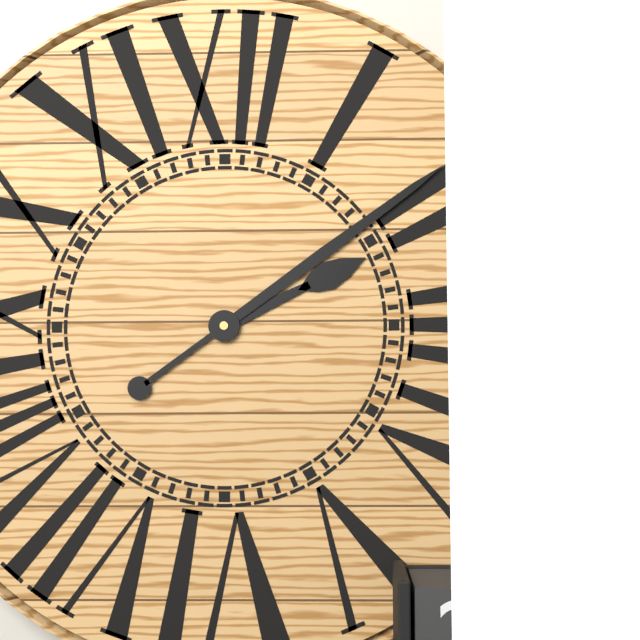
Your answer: 2,09
